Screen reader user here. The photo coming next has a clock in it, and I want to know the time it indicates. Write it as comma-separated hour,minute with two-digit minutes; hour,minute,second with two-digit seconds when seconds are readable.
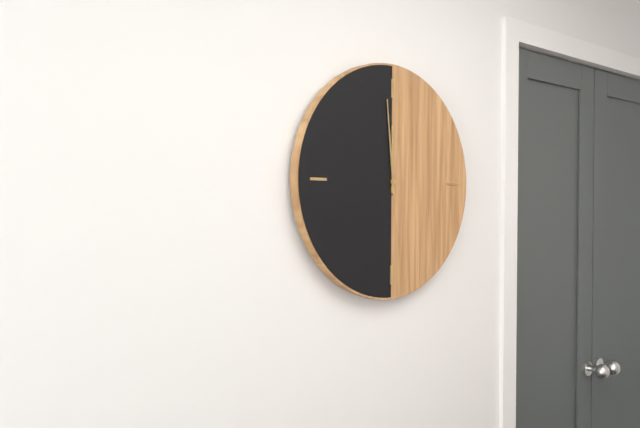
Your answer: 11,59
